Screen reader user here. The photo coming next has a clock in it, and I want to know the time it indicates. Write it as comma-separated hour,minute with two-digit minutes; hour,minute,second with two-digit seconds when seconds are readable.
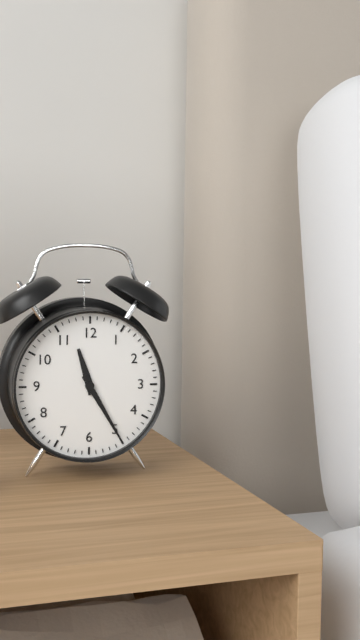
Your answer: 11,25
